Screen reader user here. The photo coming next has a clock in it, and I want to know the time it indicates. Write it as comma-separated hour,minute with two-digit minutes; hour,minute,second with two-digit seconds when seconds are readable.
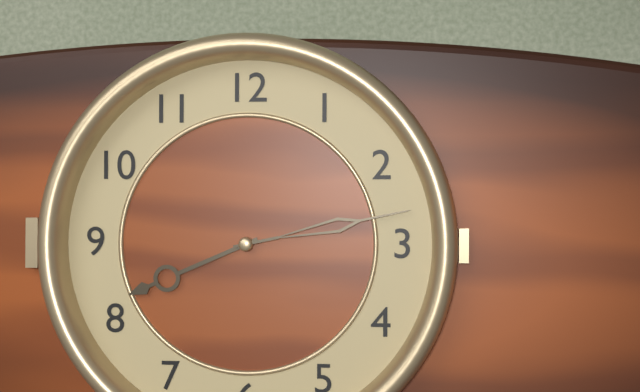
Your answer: 8,13
